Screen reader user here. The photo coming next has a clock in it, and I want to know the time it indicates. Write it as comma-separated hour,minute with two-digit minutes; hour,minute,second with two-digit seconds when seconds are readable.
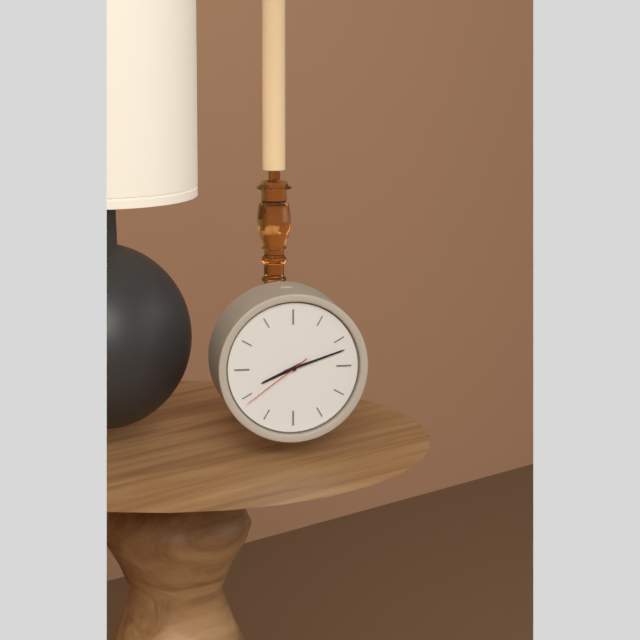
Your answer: 8,12,39
